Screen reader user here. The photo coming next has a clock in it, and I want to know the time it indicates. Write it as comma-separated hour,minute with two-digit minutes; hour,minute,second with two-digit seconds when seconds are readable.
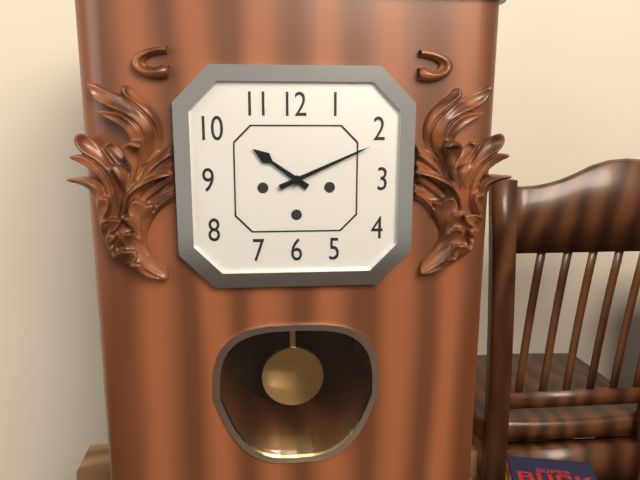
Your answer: 10,11
